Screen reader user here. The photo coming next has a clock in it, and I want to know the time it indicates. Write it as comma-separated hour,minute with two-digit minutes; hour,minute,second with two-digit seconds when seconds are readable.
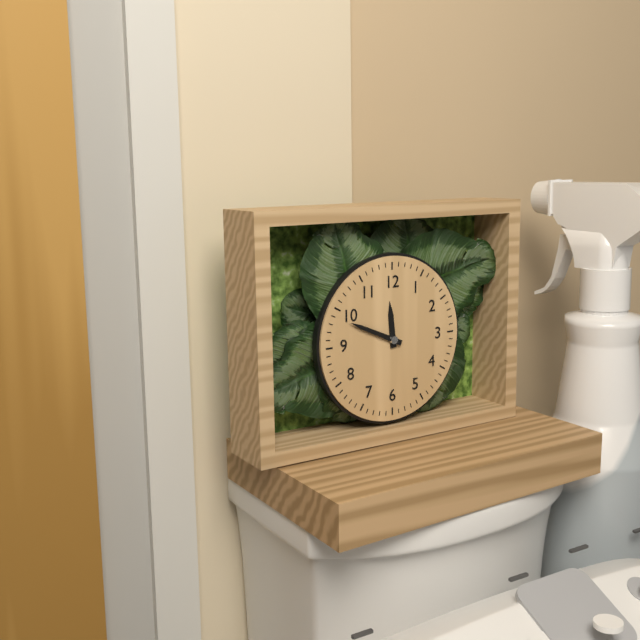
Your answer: 11,49
